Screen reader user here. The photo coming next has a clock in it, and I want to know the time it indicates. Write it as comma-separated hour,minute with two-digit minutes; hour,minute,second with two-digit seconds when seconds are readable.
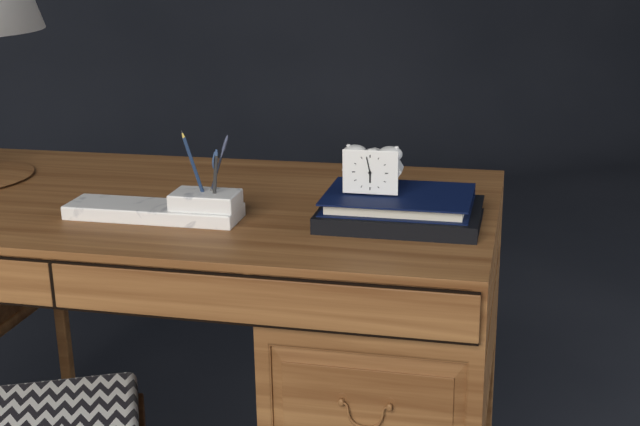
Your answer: 5,58
